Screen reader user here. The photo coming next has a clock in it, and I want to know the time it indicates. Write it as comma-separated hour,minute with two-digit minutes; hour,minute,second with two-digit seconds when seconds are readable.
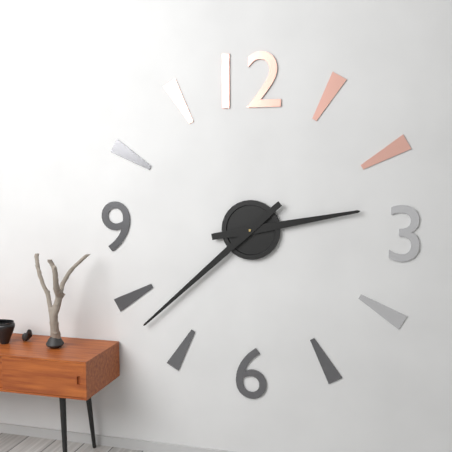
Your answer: 2,38
